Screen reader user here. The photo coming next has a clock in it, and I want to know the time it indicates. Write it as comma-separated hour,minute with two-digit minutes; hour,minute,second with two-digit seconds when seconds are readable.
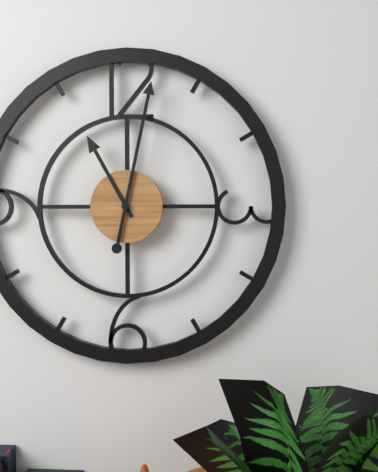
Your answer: 11,02
